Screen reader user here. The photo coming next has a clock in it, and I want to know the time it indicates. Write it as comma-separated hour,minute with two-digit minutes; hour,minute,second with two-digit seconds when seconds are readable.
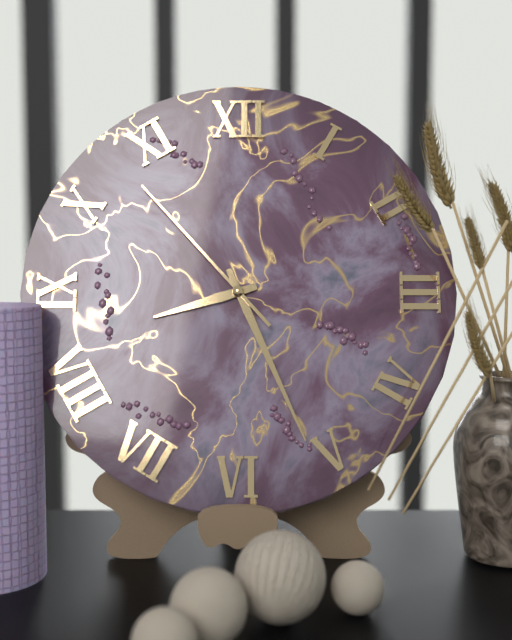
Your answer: 8,26,53
